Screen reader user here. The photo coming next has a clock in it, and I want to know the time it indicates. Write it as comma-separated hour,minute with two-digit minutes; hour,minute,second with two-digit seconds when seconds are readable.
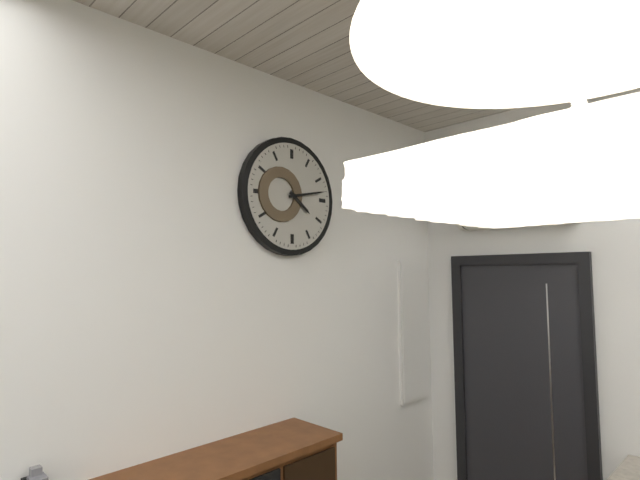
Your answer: 4,13
